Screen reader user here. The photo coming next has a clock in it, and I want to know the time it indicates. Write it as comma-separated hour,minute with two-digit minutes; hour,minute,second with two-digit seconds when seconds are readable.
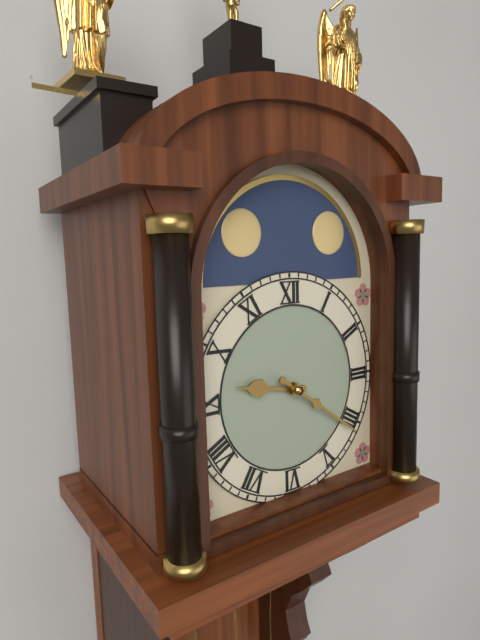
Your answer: 9,21
